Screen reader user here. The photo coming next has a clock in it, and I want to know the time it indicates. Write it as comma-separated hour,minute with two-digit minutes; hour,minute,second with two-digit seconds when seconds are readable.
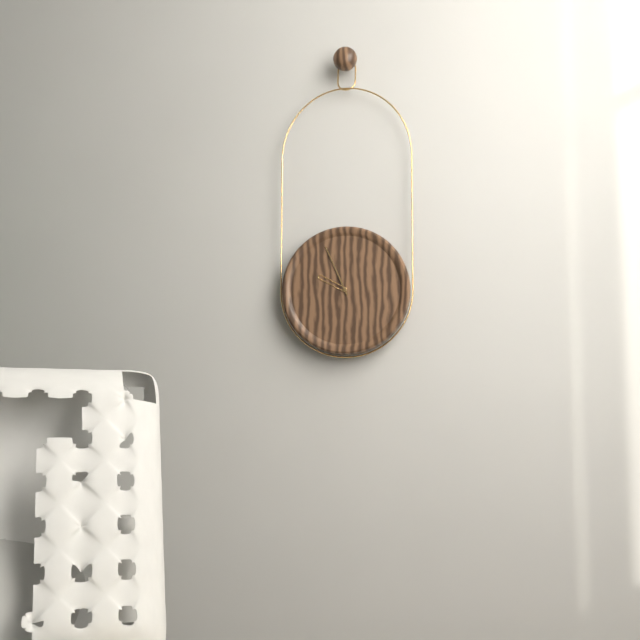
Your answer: 9,56
